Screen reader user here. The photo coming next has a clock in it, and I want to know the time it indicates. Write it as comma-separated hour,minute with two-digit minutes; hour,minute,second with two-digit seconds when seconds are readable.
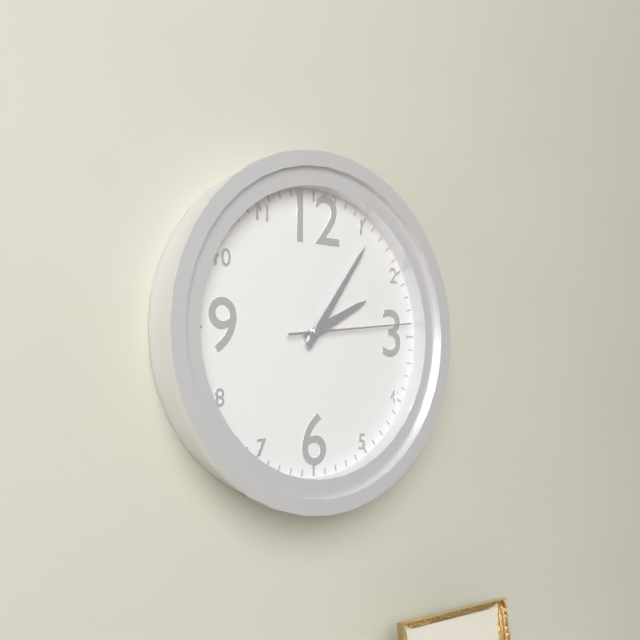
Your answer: 2,06,14
